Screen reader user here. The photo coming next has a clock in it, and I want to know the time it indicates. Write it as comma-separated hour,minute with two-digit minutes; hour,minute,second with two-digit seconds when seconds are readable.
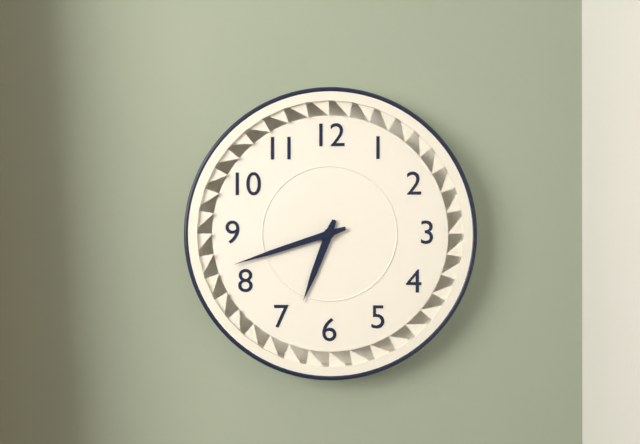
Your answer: 6,42
